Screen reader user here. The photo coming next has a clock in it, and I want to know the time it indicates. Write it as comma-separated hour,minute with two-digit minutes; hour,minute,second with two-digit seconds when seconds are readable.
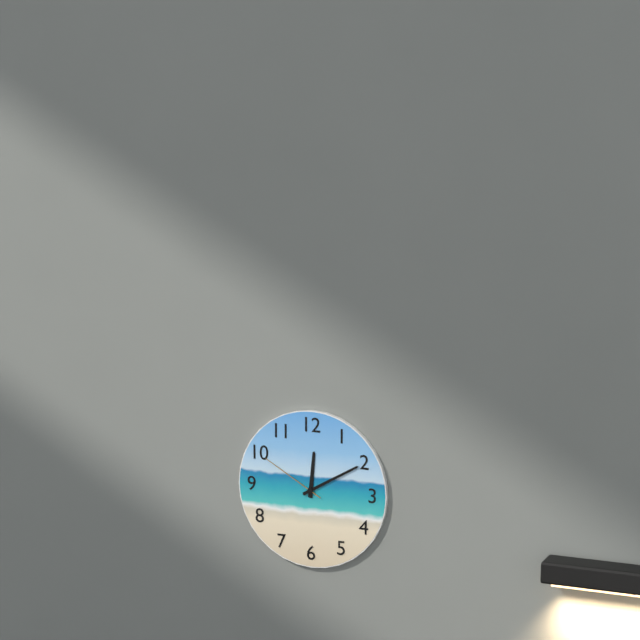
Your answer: 12,10,50
